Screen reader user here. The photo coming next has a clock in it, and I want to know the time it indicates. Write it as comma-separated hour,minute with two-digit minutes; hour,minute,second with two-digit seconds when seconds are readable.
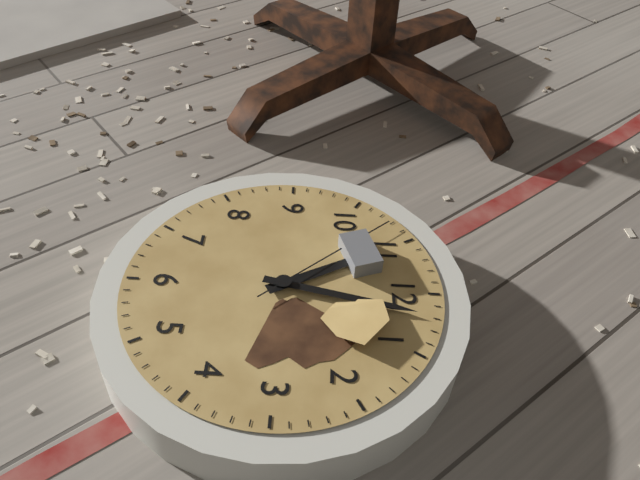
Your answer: 11,02,53
